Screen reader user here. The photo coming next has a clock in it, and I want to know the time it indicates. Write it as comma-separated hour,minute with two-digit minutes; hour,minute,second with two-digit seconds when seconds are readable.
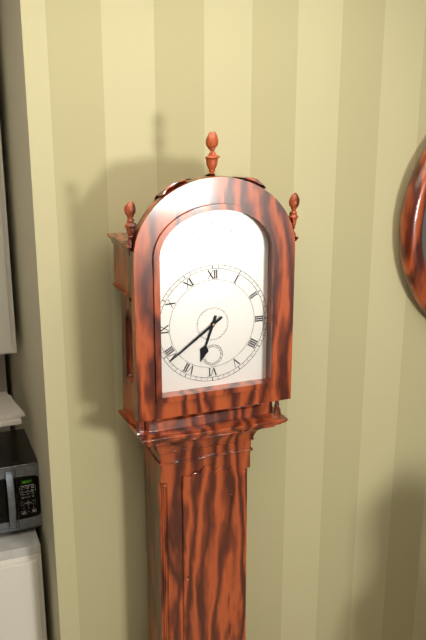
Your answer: 6,39
